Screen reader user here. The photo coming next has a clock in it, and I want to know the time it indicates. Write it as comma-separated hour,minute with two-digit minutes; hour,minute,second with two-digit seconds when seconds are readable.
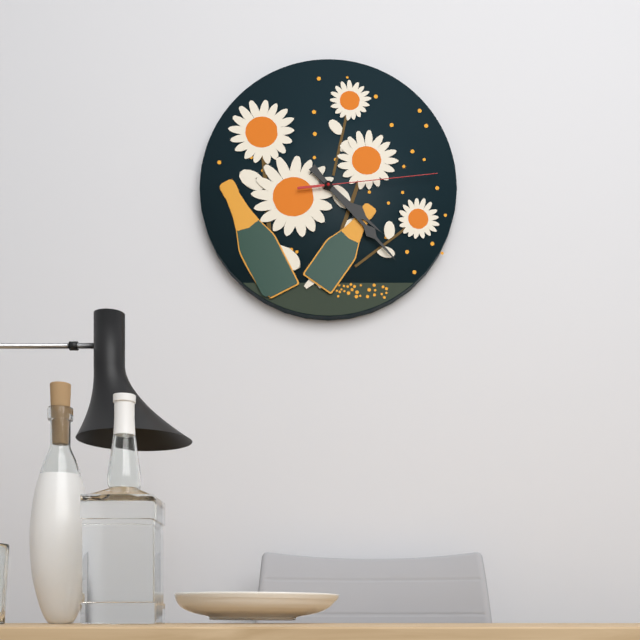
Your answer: 4,23,14
